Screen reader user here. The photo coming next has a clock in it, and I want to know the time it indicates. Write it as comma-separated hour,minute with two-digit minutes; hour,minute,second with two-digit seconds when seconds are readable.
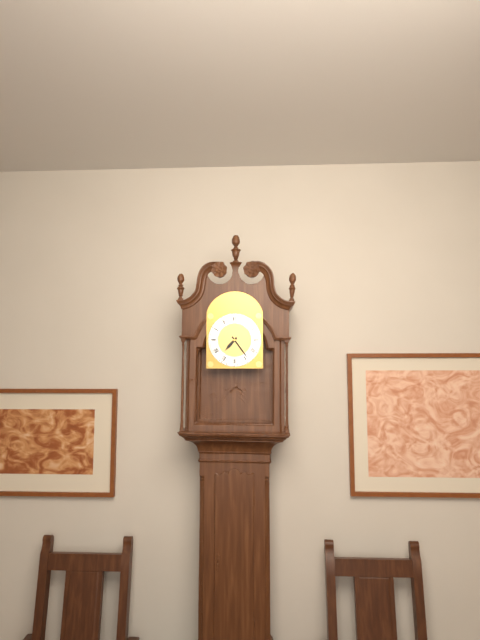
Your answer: 7,24
